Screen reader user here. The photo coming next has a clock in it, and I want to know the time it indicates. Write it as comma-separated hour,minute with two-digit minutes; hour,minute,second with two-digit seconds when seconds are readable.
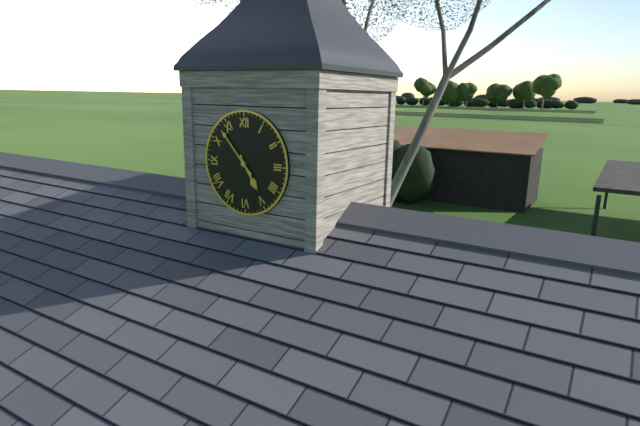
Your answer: 4,53
